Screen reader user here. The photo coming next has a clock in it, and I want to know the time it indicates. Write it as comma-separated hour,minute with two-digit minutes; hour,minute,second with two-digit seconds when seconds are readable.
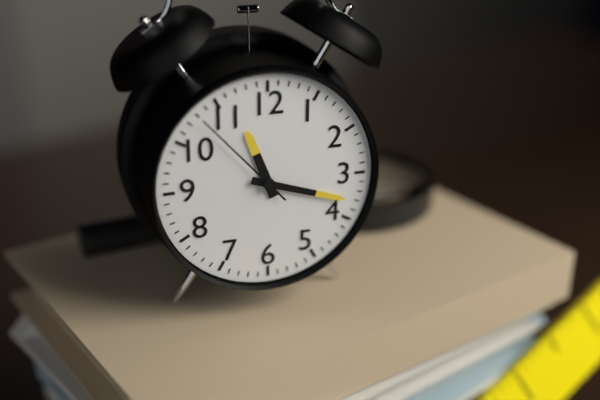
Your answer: 11,18,53
